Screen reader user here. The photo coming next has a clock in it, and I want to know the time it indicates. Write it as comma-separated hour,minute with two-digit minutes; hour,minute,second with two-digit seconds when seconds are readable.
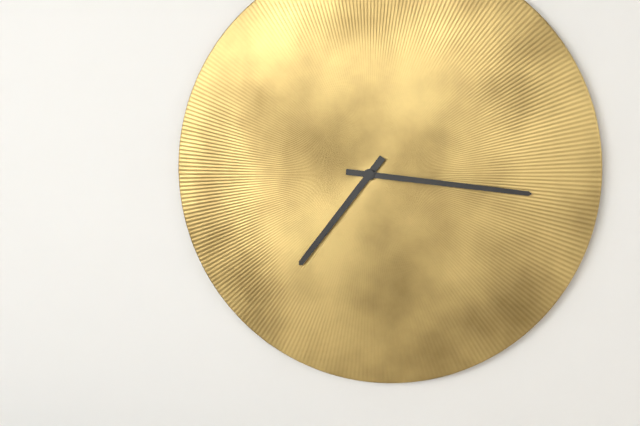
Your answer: 7,16
